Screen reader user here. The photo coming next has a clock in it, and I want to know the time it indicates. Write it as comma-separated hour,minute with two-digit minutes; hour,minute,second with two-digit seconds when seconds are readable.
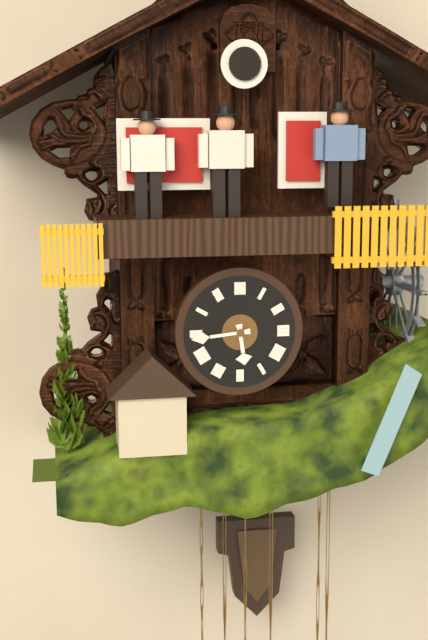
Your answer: 5,44
